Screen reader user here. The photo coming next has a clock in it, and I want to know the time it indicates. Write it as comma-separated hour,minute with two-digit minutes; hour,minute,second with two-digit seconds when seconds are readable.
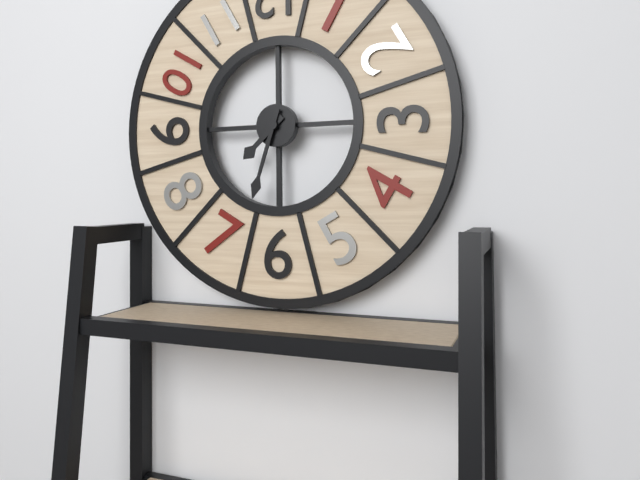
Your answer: 7,33
